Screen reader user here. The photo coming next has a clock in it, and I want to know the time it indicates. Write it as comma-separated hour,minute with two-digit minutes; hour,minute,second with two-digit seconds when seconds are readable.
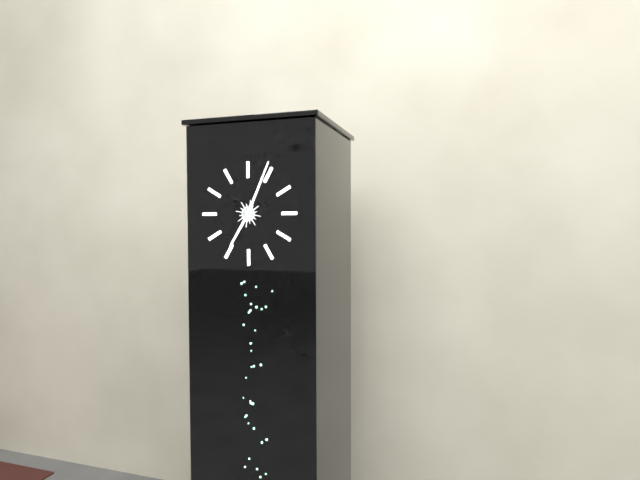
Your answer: 7,04
